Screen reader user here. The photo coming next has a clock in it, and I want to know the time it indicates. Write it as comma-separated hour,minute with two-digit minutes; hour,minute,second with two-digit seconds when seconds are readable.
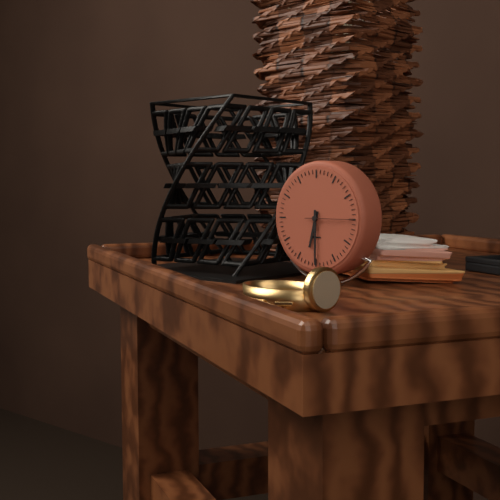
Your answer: 6,30
